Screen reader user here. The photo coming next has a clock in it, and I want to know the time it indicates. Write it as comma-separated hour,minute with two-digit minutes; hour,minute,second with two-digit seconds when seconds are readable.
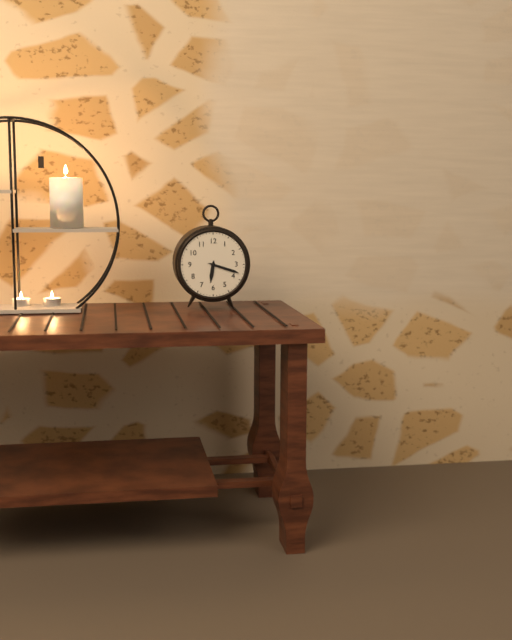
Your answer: 6,18
